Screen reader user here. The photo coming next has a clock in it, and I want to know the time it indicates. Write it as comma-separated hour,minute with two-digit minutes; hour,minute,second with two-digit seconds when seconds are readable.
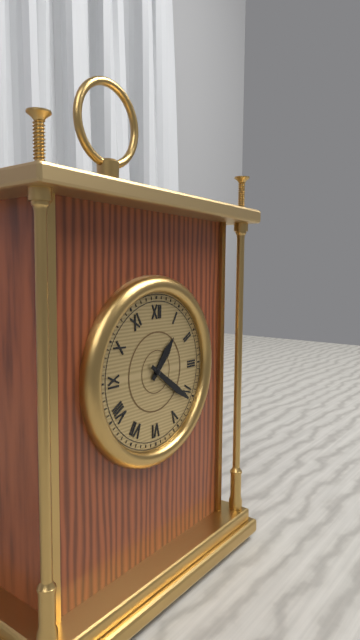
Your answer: 1,21
